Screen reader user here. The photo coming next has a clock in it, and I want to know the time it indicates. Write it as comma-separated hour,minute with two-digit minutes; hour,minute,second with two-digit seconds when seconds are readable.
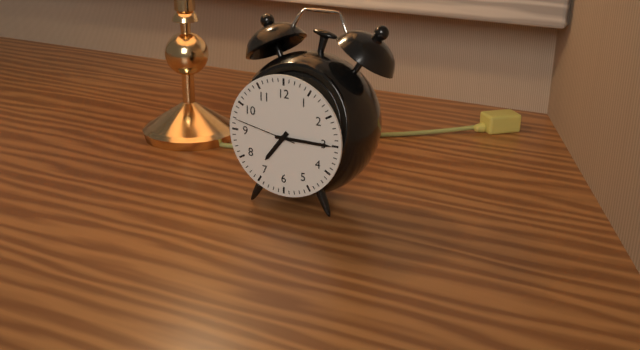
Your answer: 7,15,47
